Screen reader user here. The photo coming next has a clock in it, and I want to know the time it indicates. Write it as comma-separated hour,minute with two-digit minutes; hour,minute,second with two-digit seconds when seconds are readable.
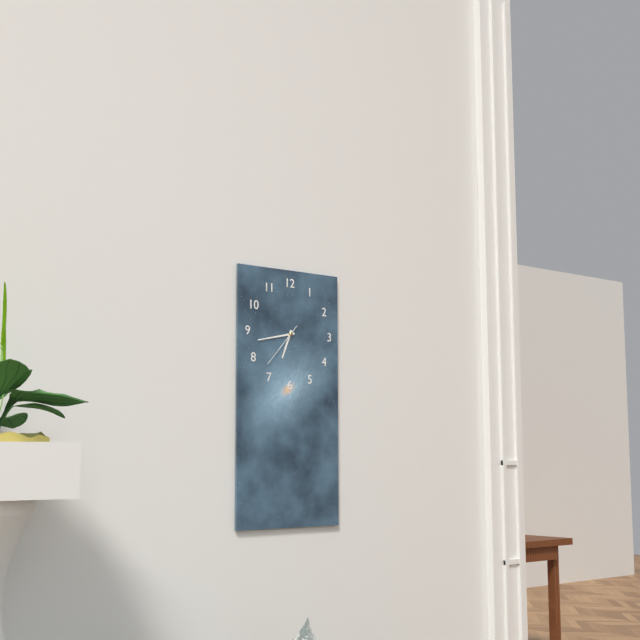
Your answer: 6,43
